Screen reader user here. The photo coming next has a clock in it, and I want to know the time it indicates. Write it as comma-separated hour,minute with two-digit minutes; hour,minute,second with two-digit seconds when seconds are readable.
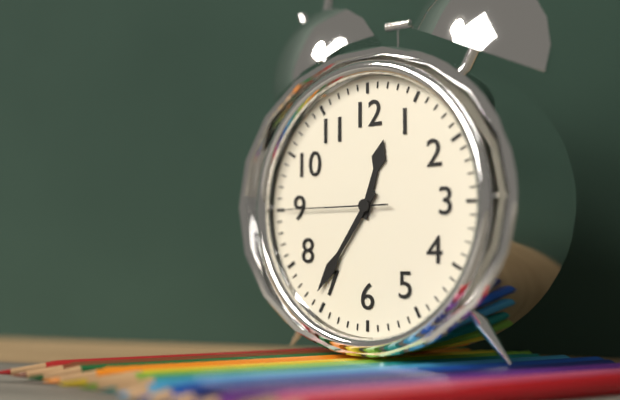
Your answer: 12,36,45
